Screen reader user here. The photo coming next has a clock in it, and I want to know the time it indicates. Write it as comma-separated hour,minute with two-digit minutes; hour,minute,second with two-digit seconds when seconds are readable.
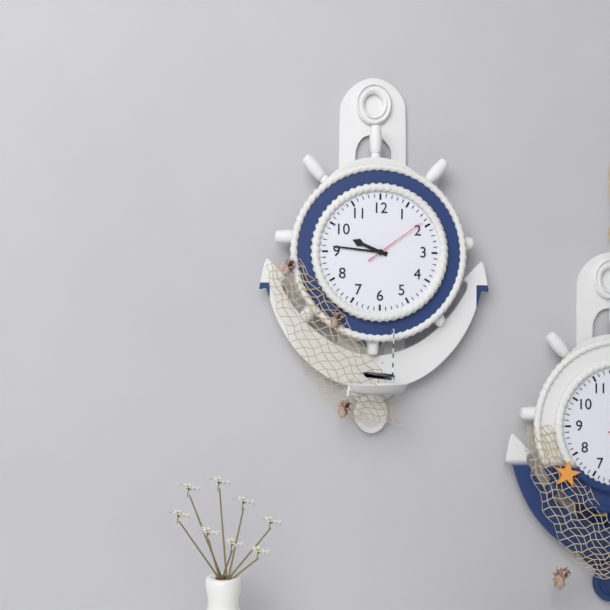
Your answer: 9,46,09
